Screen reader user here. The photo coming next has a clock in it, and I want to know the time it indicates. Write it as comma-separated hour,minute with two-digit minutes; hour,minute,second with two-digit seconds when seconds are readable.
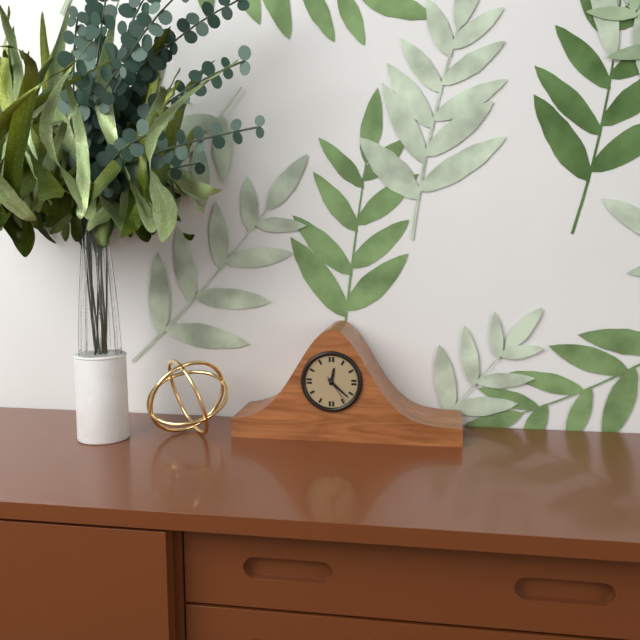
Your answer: 12,22
